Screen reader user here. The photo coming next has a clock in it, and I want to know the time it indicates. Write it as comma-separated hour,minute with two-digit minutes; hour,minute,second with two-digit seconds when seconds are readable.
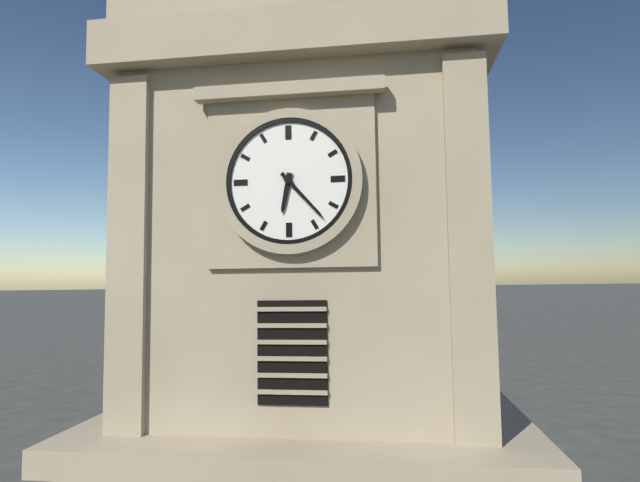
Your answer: 6,23
